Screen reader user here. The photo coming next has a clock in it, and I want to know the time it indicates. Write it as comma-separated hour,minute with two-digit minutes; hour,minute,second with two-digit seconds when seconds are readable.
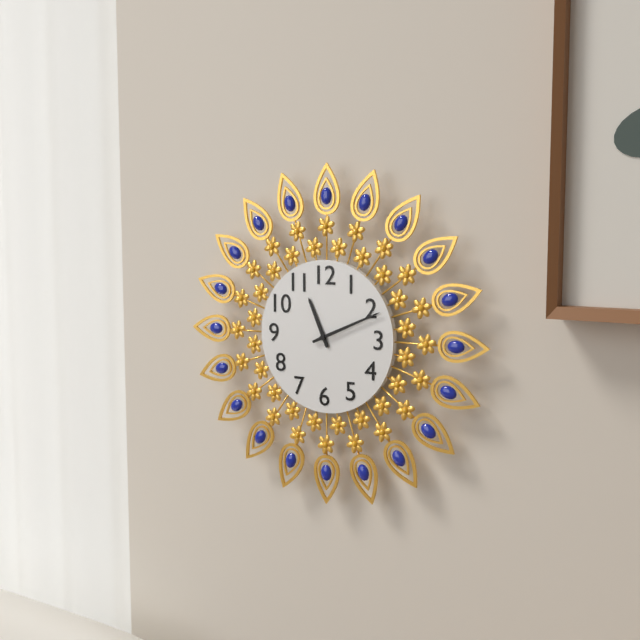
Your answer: 11,11
